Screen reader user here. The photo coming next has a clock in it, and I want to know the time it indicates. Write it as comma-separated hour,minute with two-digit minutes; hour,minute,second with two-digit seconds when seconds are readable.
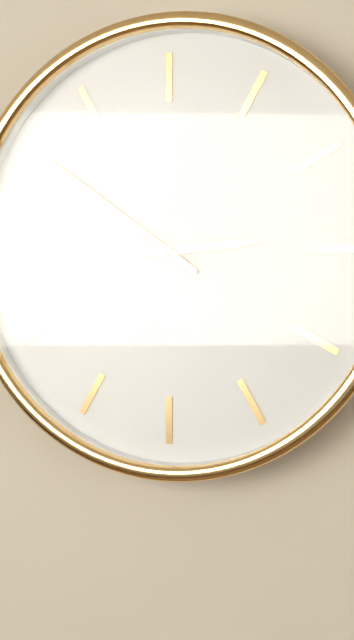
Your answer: 2,51
